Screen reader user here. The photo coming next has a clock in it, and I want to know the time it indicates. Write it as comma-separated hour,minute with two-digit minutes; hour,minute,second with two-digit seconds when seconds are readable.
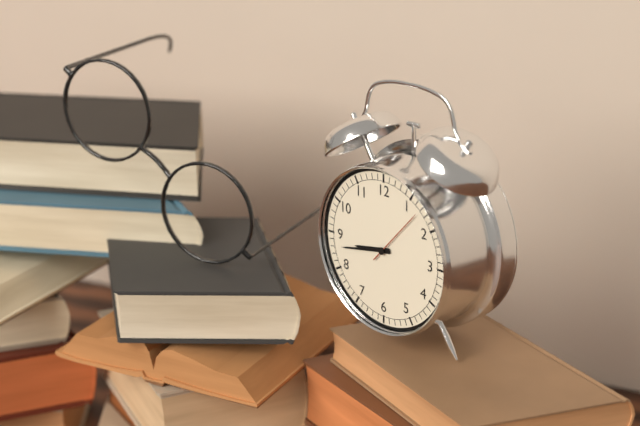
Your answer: 8,43,07
